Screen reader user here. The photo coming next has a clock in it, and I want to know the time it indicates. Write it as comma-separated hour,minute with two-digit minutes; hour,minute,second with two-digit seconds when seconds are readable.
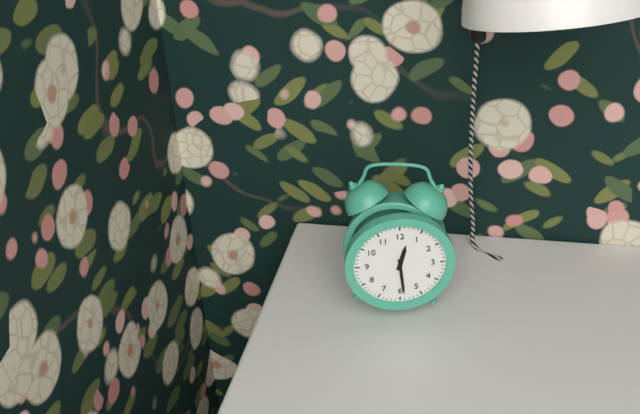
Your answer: 12,29
